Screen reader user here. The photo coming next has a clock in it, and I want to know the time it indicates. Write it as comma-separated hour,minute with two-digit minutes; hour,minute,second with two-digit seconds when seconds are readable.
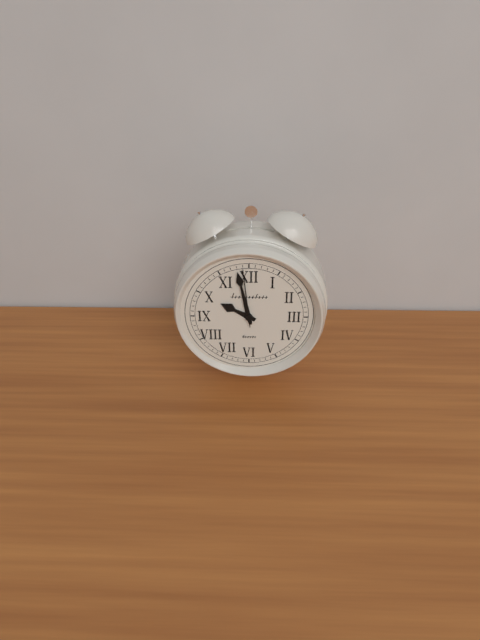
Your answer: 9,58,59
